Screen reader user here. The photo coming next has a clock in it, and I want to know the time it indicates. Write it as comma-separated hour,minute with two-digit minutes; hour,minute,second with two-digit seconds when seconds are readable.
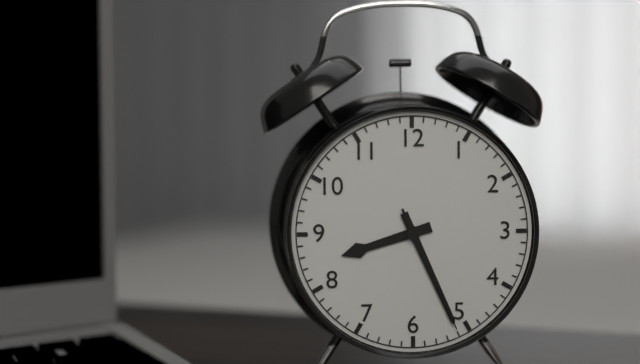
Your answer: 8,26,26
